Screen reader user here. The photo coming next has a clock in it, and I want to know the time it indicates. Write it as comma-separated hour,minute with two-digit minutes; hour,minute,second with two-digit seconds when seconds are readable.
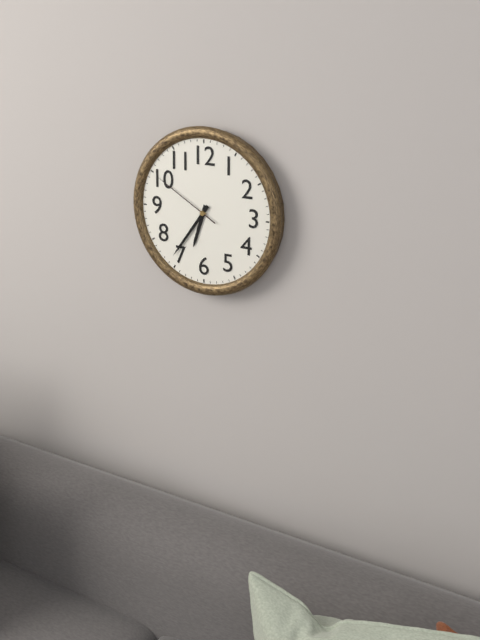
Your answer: 6,36,50
